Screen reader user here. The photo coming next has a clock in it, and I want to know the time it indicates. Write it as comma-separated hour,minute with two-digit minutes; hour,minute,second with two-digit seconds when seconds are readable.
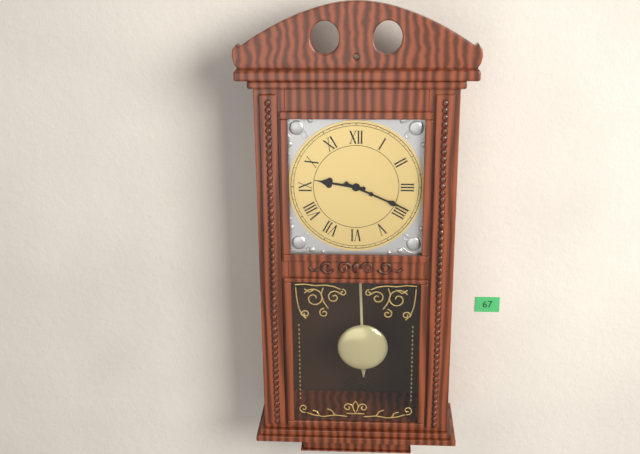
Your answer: 9,19
